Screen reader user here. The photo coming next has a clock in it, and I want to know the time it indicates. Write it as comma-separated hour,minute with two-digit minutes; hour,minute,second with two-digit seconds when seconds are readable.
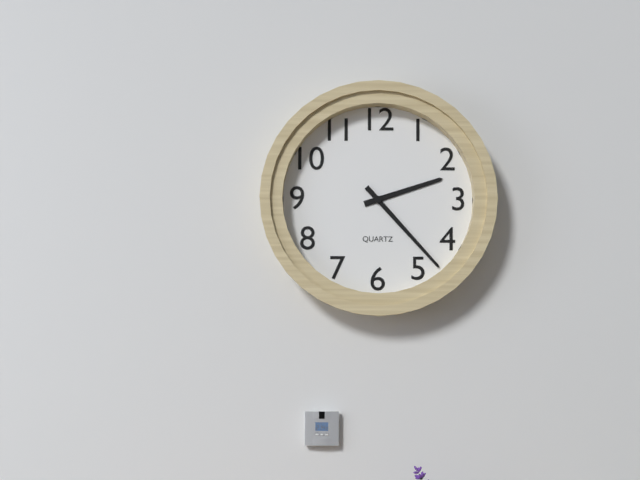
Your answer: 2,23
